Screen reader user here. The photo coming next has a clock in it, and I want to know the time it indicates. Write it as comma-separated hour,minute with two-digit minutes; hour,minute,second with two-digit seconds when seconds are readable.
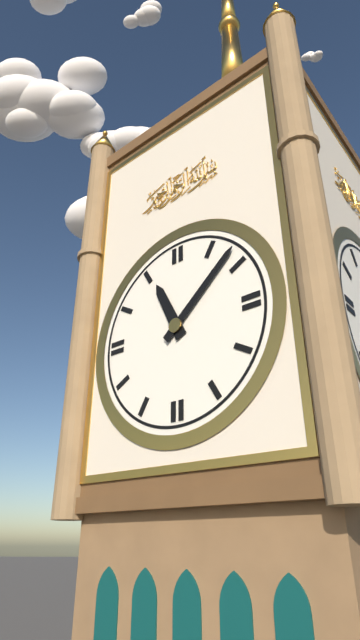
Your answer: 11,08
